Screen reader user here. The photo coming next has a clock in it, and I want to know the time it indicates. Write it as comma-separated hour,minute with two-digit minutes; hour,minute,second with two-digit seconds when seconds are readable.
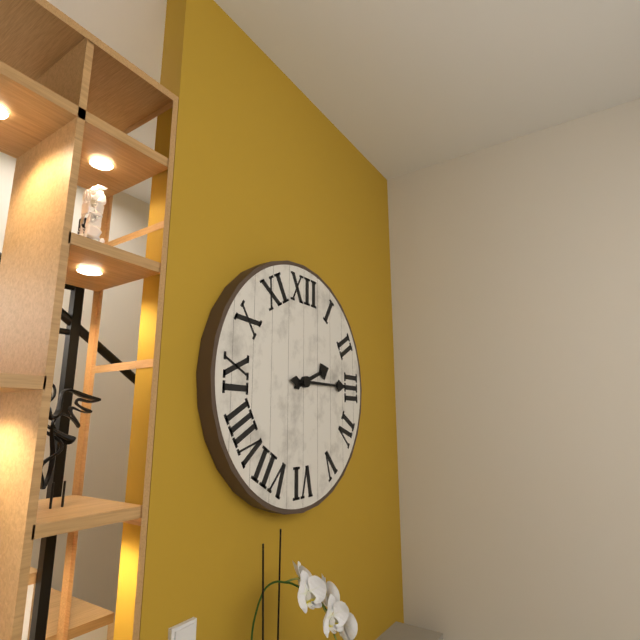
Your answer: 2,15
